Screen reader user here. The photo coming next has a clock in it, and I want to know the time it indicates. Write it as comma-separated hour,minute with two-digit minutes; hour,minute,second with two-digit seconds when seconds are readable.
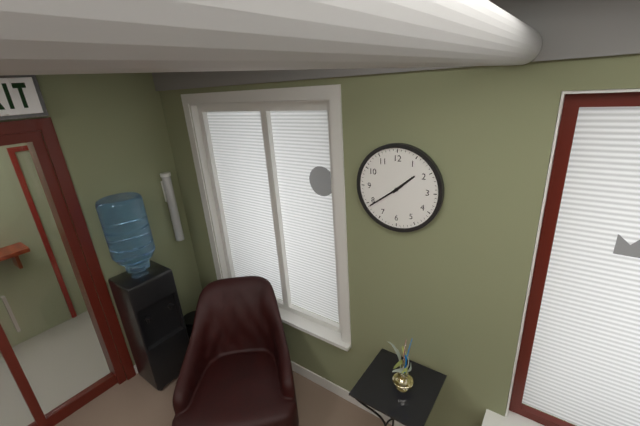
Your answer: 1,39
